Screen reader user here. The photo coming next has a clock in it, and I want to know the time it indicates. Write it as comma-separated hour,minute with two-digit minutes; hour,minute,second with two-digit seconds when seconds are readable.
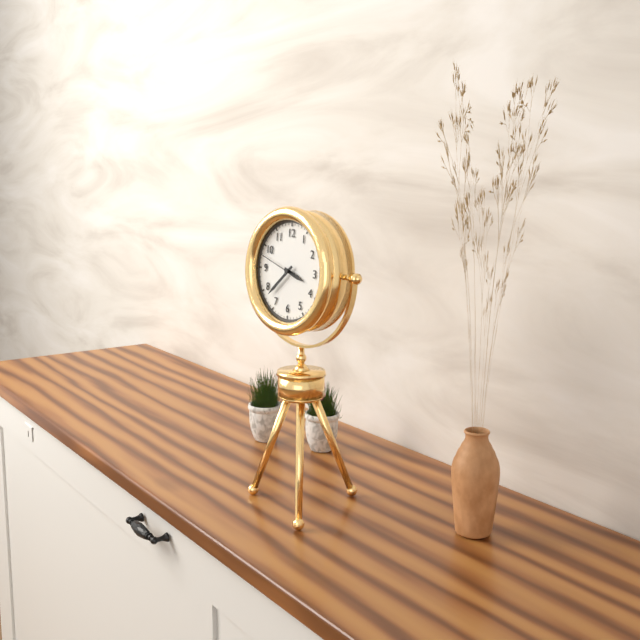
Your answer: 3,38
